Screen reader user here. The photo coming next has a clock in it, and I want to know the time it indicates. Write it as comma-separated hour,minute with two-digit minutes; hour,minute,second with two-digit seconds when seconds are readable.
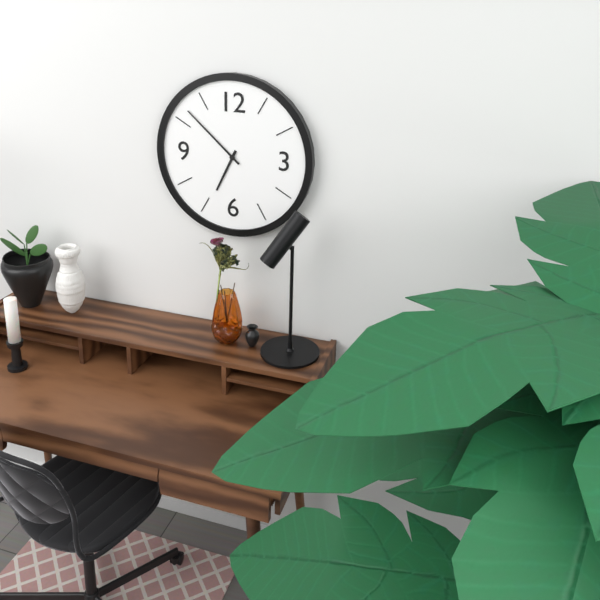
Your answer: 6,52
